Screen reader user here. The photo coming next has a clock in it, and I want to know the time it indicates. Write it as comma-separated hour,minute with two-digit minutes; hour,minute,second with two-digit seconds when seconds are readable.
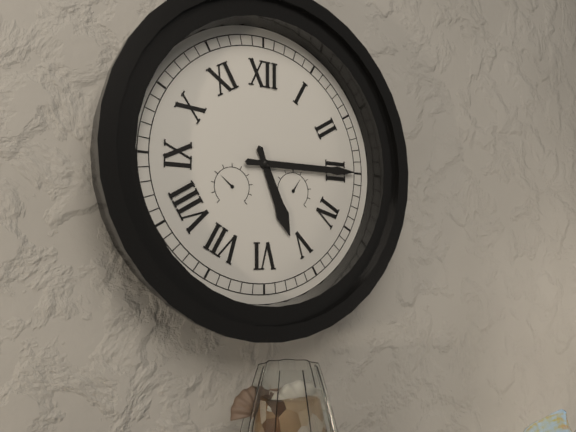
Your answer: 5,15
